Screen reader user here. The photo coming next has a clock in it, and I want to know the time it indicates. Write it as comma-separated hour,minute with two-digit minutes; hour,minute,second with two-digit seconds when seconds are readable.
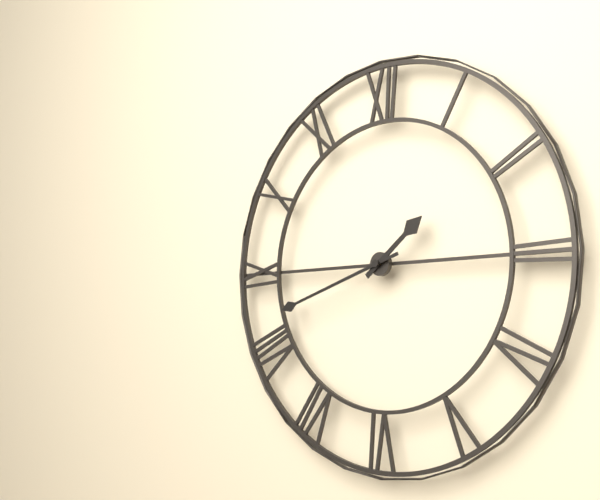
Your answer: 1,42
